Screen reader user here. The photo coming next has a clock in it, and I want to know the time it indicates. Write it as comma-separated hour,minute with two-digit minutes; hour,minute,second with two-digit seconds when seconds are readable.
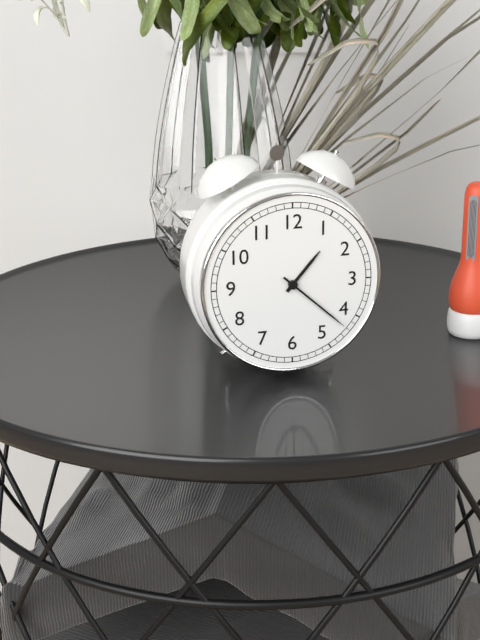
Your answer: 1,22
